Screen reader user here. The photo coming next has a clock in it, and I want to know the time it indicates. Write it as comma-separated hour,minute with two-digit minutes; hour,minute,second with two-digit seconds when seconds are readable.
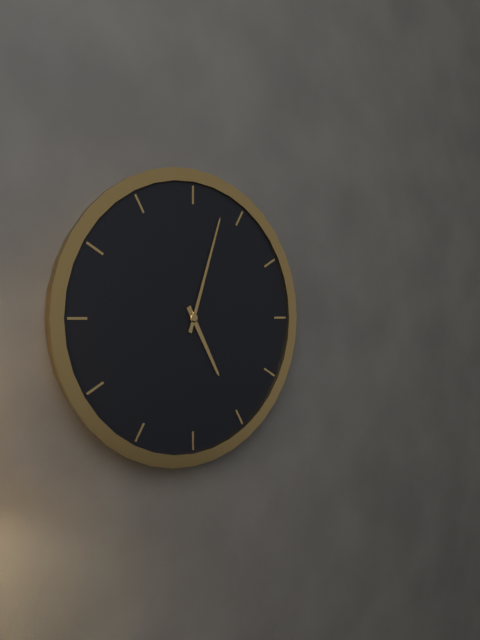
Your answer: 5,03
